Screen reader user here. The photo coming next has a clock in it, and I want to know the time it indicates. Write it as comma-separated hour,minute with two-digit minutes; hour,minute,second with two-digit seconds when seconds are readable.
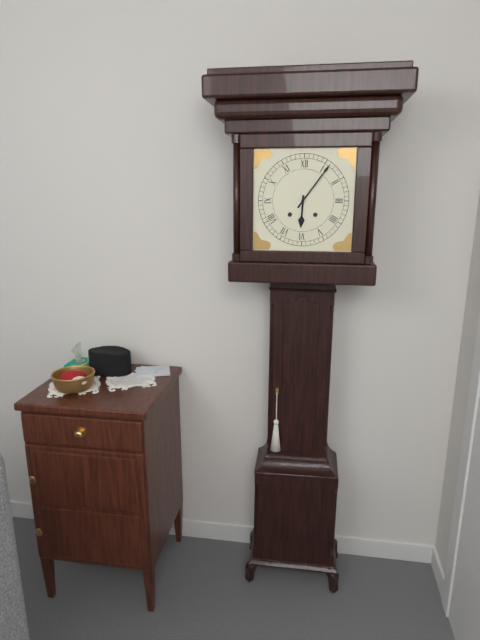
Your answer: 6,06
